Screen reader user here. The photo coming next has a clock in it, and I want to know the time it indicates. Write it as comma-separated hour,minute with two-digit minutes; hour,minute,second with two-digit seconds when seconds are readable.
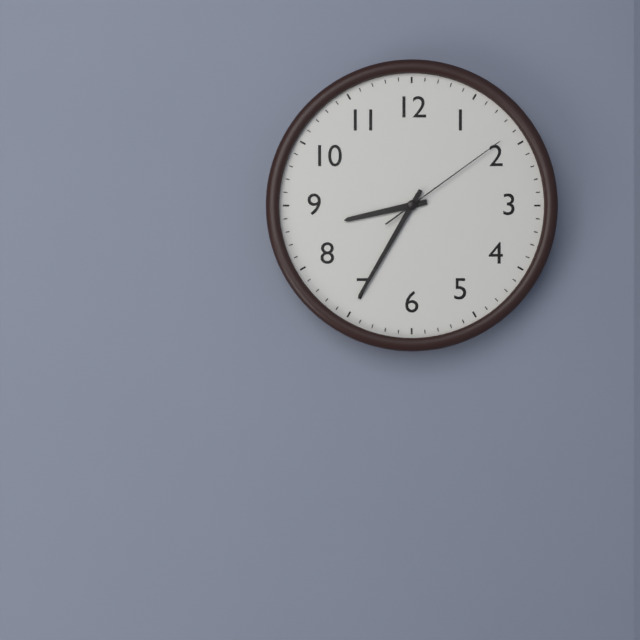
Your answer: 8,35,09
